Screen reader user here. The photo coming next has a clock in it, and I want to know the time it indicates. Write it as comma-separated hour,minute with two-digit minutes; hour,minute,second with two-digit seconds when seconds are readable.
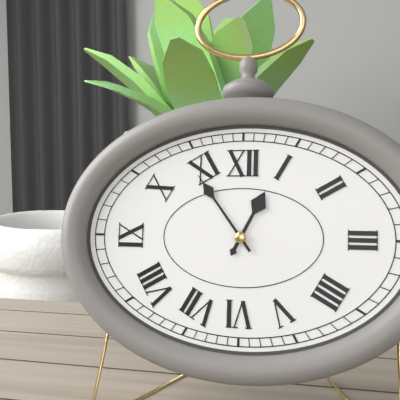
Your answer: 12,54
